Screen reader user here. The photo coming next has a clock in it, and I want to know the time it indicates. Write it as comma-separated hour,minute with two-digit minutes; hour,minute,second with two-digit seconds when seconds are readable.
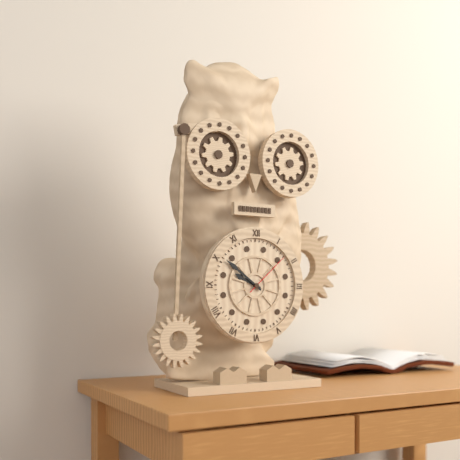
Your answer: 9,51,08
